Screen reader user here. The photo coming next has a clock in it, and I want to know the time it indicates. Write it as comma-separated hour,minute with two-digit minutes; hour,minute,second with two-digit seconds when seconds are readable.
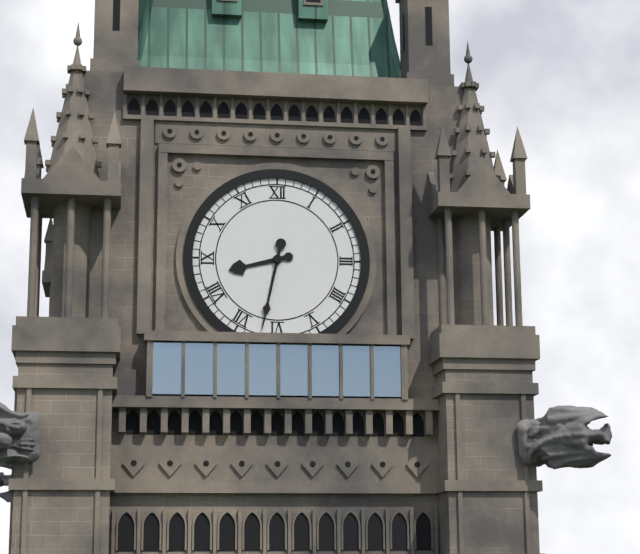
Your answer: 8,32
